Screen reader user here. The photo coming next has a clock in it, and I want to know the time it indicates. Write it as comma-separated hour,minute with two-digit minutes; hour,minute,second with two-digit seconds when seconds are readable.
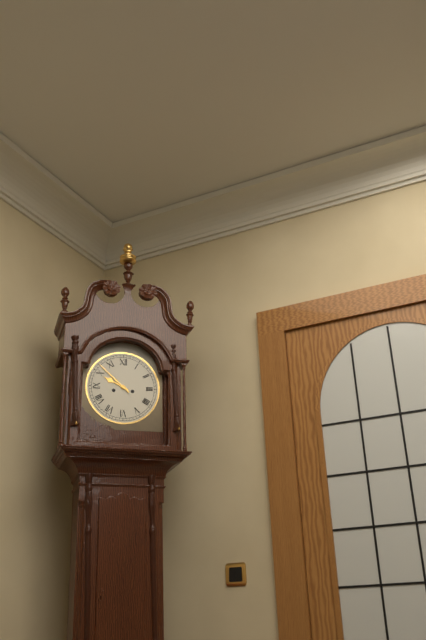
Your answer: 9,52
